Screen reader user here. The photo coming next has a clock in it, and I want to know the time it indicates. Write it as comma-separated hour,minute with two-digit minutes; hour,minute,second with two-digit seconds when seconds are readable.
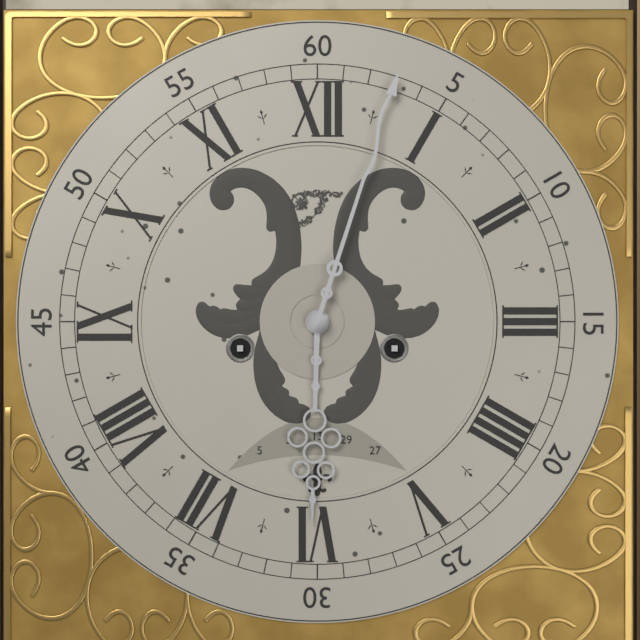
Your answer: 6,03
